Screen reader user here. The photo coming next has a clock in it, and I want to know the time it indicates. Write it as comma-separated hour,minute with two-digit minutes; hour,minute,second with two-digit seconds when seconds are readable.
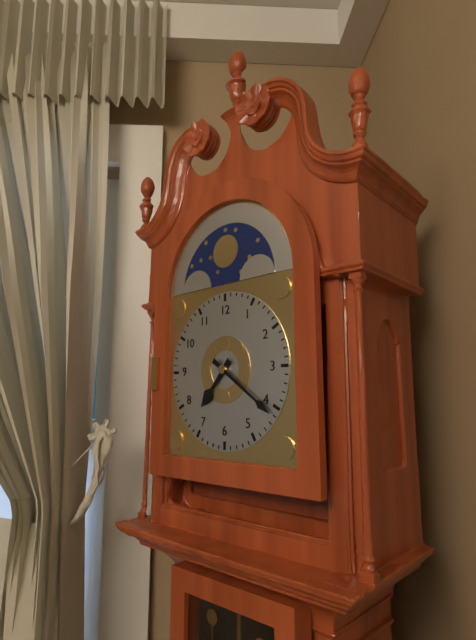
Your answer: 7,21
